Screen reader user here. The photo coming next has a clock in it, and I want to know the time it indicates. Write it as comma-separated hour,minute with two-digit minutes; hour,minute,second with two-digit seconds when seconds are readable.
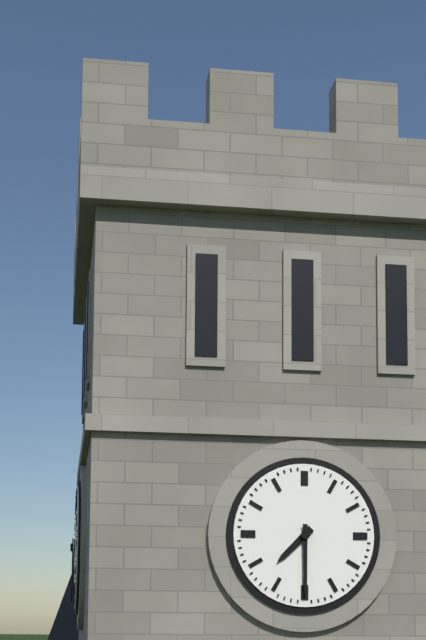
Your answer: 7,30
